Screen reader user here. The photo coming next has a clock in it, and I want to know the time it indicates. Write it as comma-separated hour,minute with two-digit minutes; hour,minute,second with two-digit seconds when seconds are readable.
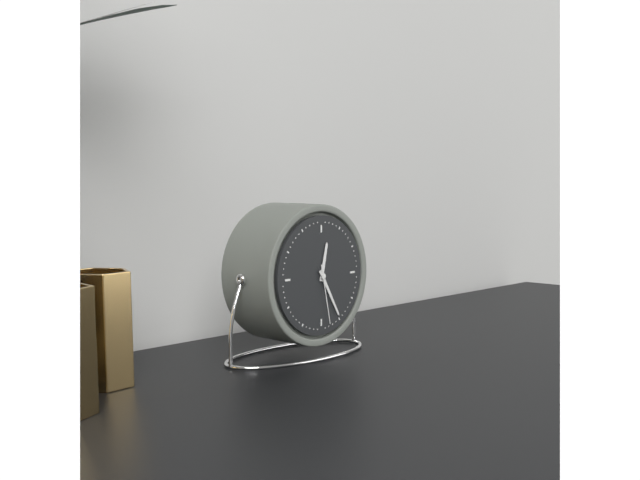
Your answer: 12,25,28
